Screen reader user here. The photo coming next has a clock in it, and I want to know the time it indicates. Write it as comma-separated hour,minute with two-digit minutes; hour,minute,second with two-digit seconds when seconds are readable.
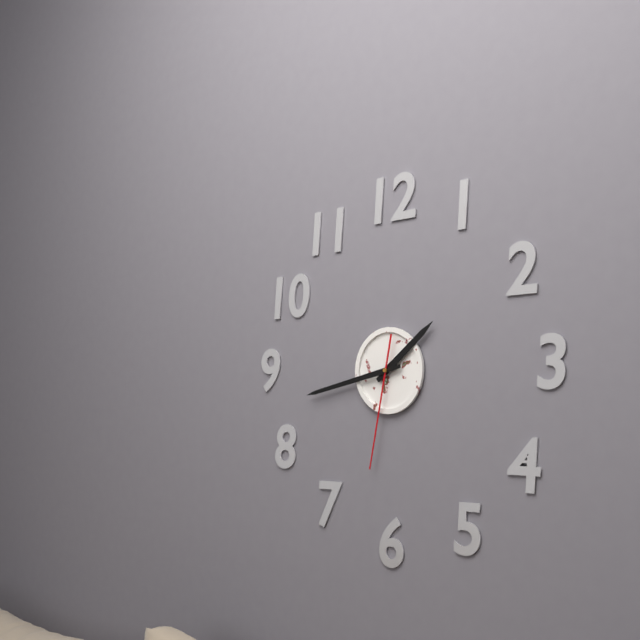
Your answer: 1,43,32
